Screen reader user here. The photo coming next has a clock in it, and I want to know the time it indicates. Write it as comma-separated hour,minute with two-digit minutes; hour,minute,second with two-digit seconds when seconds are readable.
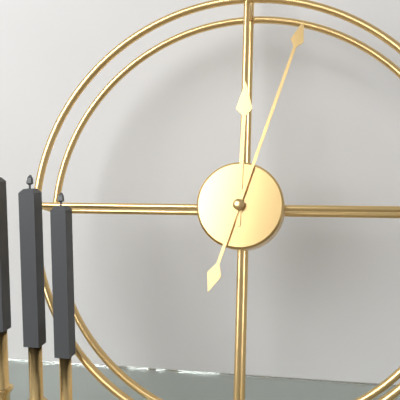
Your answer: 12,03
